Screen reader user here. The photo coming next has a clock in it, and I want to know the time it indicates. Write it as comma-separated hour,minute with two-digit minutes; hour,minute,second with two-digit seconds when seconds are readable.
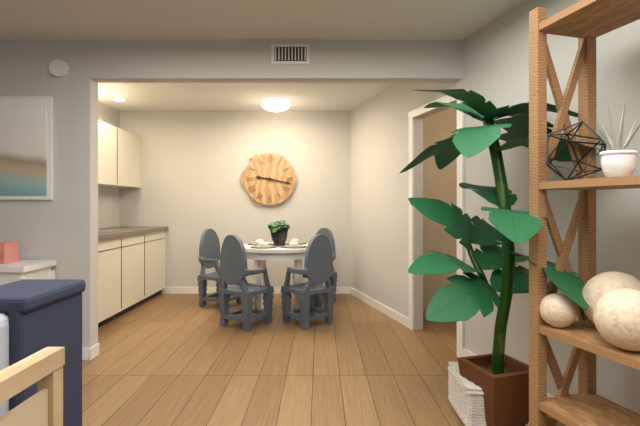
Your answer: 9,17
